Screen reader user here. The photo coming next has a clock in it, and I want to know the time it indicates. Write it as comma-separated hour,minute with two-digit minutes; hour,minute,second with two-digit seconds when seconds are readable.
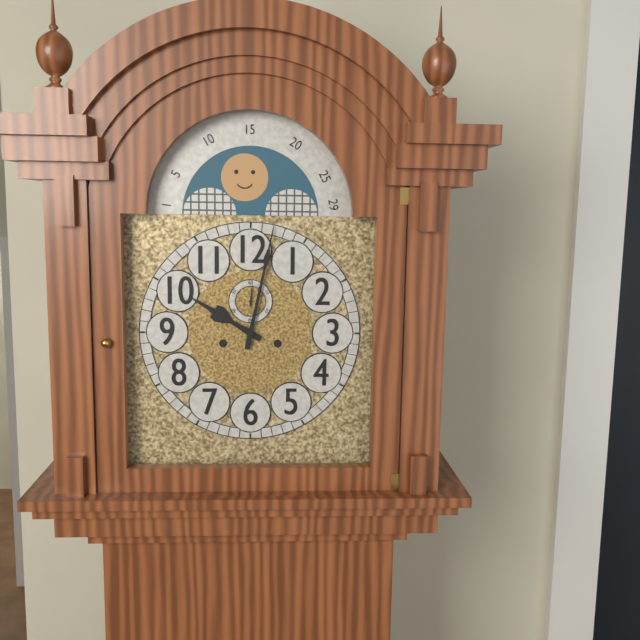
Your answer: 10,02
